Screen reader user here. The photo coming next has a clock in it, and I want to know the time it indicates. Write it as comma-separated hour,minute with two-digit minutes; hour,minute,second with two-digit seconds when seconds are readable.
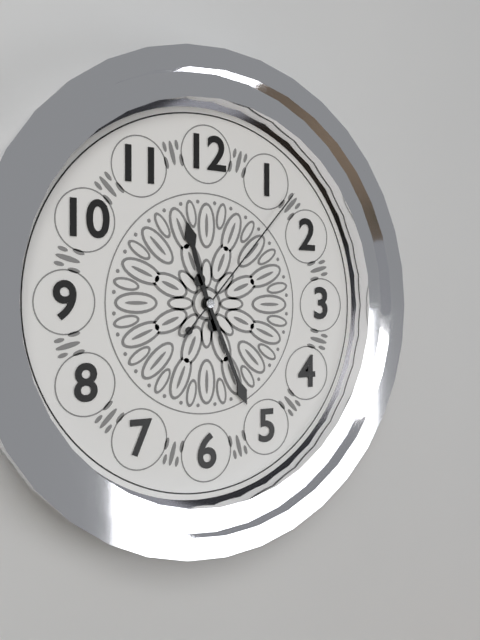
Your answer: 11,26,07
